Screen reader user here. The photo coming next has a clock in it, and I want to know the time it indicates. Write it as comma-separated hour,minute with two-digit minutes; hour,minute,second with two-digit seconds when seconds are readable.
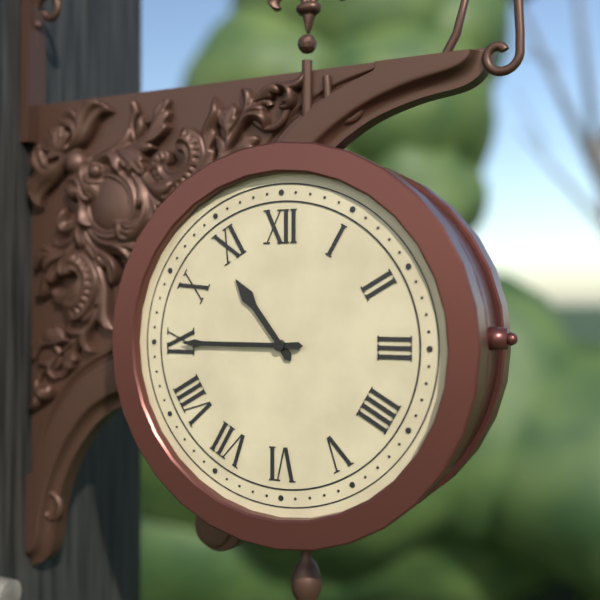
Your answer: 10,45
